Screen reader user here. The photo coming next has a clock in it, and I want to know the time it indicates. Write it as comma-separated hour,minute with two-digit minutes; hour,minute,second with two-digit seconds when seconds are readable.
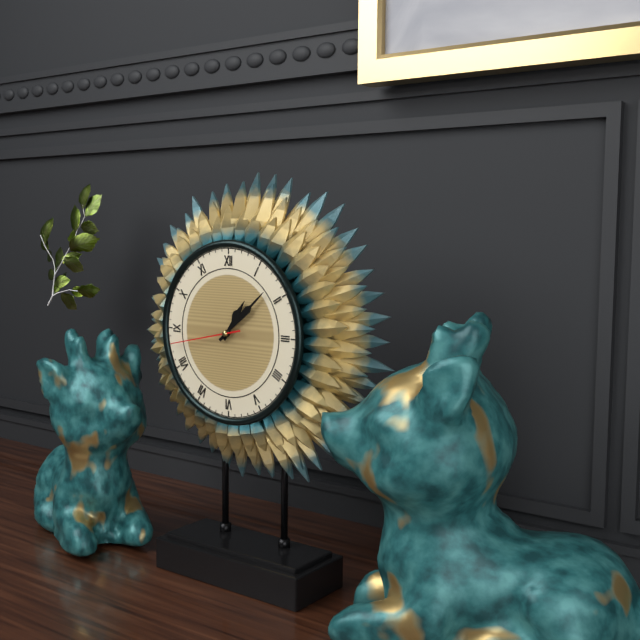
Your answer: 1,08,43
